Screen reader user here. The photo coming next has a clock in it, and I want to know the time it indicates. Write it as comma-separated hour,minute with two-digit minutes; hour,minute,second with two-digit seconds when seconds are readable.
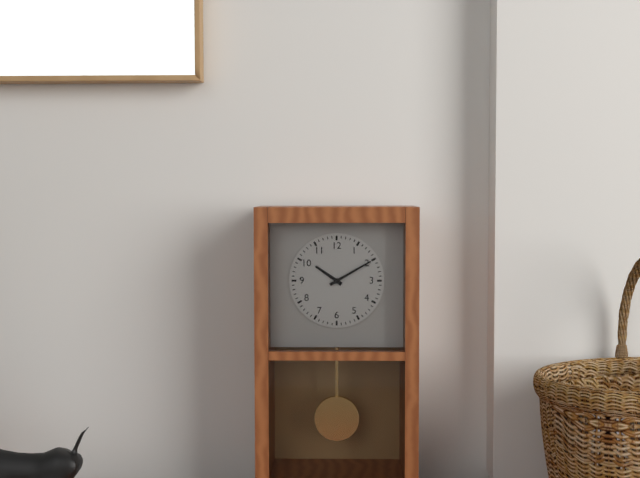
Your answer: 10,10
